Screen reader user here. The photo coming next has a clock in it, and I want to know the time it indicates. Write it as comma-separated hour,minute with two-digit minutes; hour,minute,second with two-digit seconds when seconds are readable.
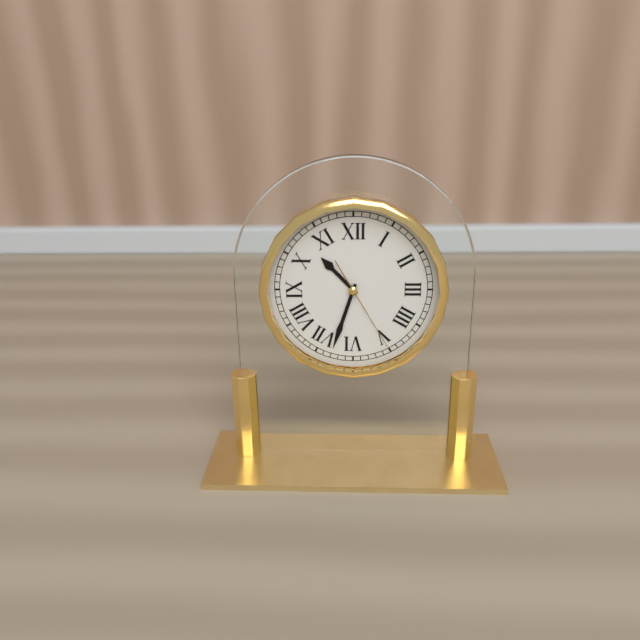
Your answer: 10,33,25
